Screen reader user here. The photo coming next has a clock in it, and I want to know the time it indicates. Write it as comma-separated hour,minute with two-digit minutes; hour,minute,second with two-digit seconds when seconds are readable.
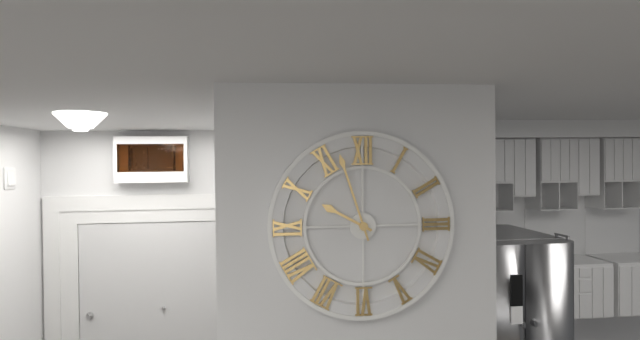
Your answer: 9,57
